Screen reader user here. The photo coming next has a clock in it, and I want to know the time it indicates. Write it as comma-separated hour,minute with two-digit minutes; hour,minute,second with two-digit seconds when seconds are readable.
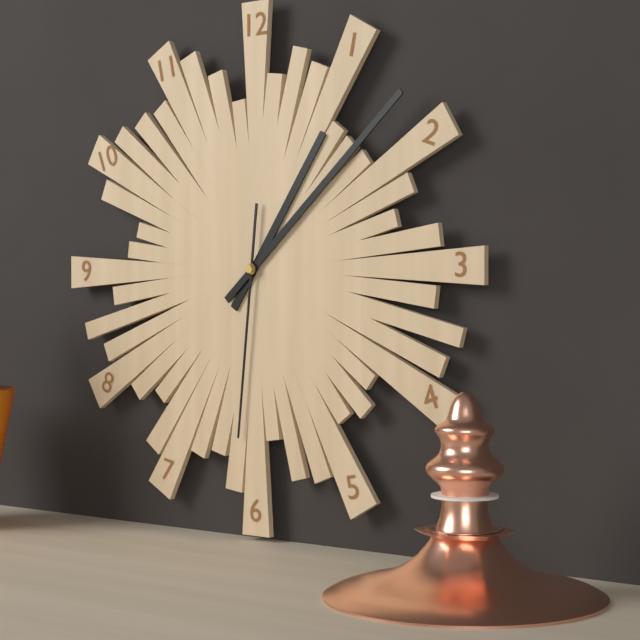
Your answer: 1,08,31
